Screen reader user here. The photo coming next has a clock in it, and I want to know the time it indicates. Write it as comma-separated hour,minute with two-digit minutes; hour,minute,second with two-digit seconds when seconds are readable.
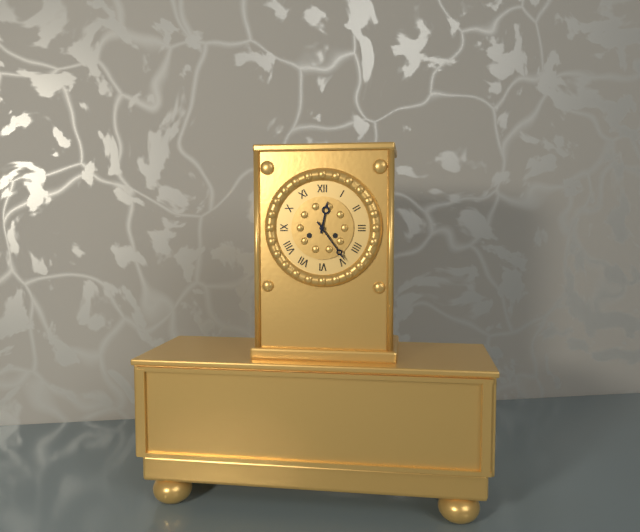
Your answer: 12,24
